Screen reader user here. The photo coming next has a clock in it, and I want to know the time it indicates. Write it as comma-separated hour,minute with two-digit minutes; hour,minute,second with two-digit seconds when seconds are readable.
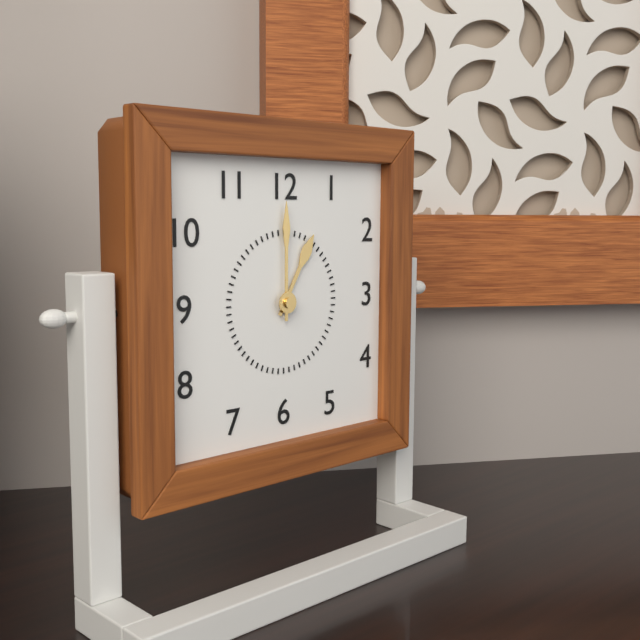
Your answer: 1,00
